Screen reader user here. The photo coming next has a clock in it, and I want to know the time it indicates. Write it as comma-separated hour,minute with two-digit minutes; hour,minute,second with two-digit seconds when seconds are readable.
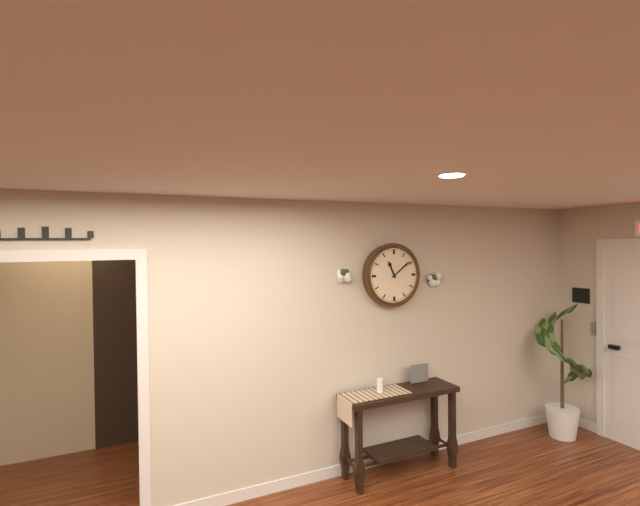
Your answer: 11,09
